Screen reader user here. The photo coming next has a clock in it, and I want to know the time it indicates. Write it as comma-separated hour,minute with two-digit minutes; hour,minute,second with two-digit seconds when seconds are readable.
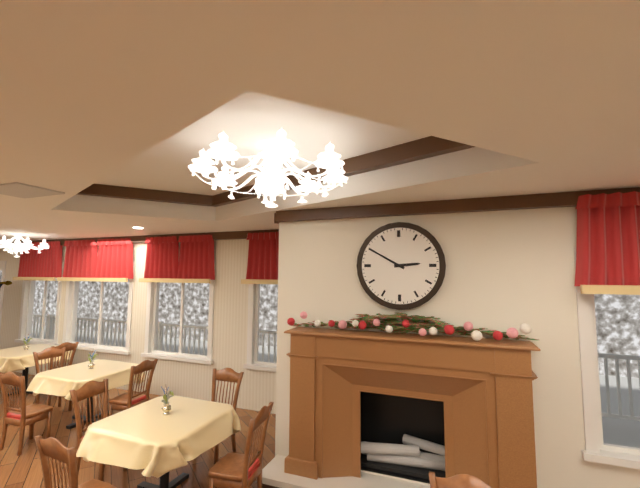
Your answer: 2,50
